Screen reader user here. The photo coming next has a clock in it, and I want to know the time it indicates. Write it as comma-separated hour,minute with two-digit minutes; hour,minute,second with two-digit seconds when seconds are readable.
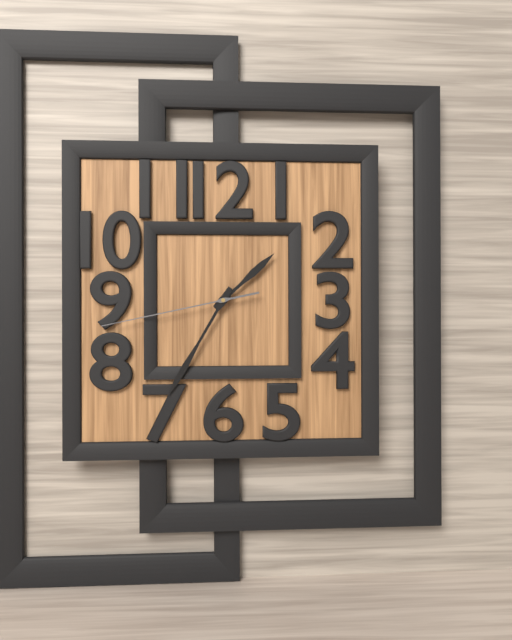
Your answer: 1,35,43
